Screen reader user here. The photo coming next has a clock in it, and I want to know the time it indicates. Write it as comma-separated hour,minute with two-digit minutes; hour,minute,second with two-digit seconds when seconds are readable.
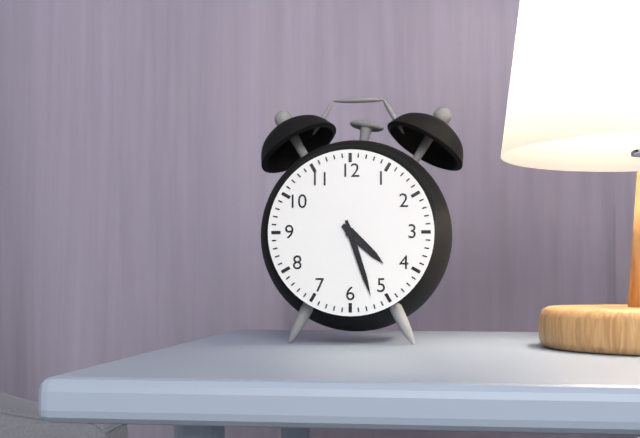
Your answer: 4,27
